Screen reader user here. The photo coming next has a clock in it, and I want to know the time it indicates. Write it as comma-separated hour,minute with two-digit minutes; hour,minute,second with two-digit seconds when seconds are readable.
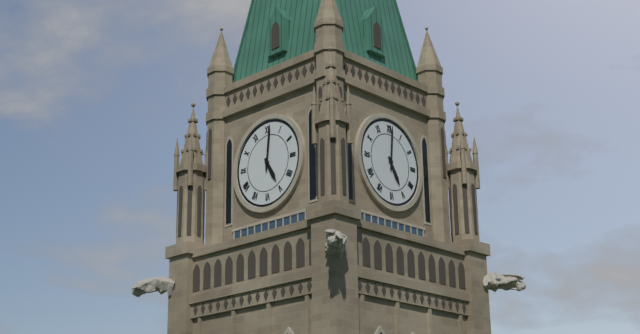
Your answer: 5,01
